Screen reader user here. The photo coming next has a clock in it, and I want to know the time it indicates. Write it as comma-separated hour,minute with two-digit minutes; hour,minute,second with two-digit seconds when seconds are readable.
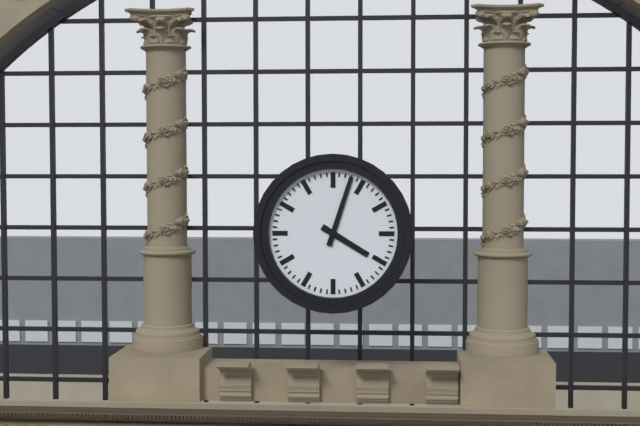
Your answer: 4,03
